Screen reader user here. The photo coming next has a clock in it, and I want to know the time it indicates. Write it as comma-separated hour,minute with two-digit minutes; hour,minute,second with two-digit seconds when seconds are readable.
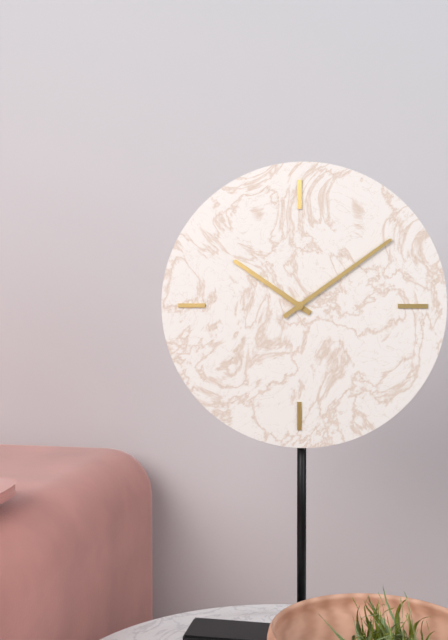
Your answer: 10,09
